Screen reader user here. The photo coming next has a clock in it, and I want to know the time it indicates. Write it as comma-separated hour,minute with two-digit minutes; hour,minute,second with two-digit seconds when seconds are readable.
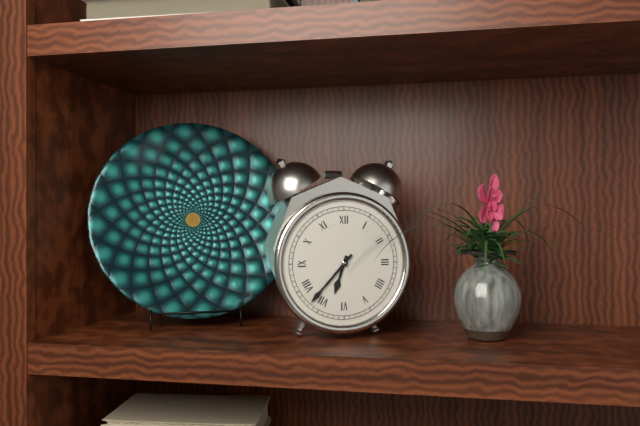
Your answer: 6,37
